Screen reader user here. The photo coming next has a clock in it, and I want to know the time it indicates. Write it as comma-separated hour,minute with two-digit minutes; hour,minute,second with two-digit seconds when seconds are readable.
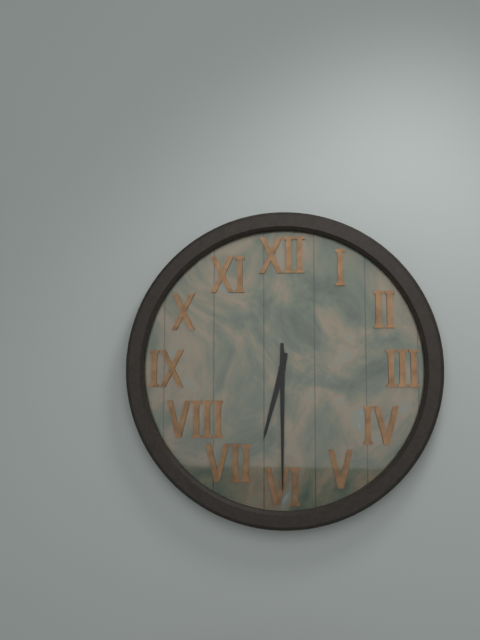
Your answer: 6,30
